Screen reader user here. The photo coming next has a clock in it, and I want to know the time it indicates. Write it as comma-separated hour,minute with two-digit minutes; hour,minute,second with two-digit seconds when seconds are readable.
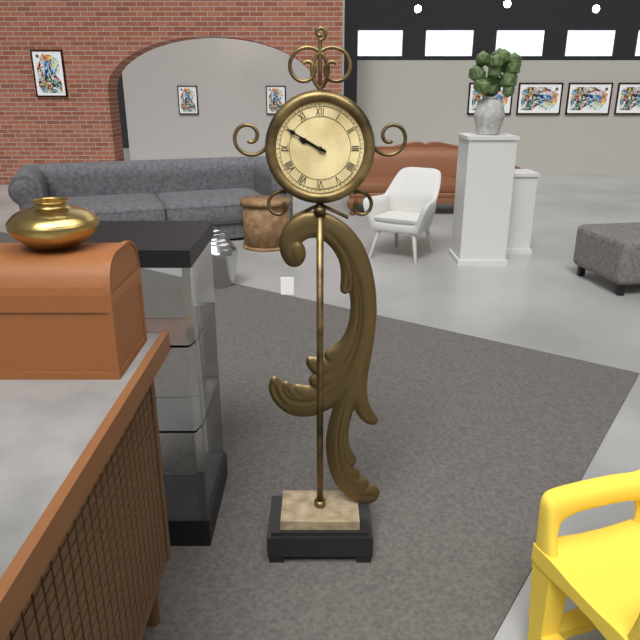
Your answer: 9,50
